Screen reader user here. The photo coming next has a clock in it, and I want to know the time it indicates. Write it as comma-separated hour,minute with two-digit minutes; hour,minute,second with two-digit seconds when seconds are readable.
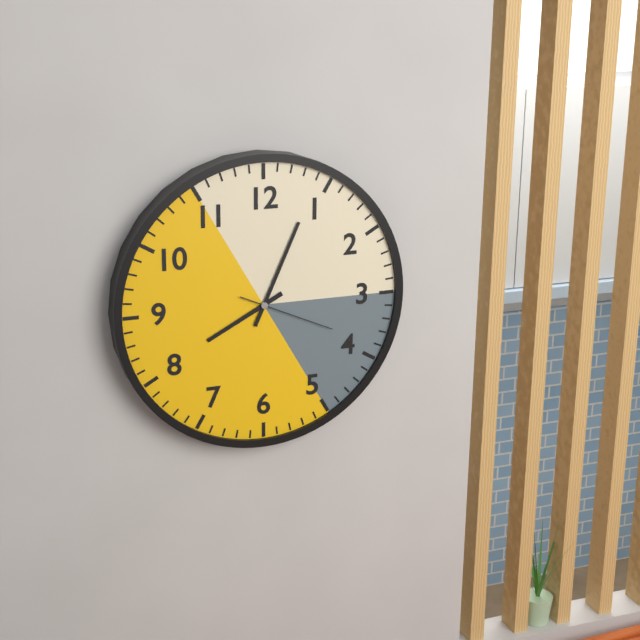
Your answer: 8,04,19
